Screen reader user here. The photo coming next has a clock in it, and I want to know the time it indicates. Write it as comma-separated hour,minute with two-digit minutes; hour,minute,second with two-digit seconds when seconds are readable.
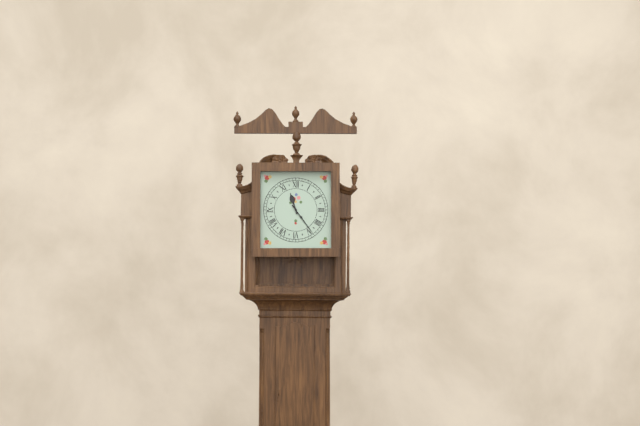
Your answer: 11,24
